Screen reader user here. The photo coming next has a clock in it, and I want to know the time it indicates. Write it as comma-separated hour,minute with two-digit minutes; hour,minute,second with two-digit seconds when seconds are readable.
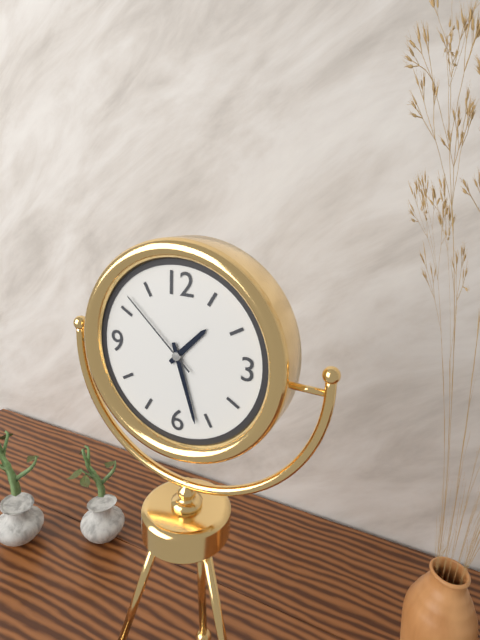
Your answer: 1,27,52
